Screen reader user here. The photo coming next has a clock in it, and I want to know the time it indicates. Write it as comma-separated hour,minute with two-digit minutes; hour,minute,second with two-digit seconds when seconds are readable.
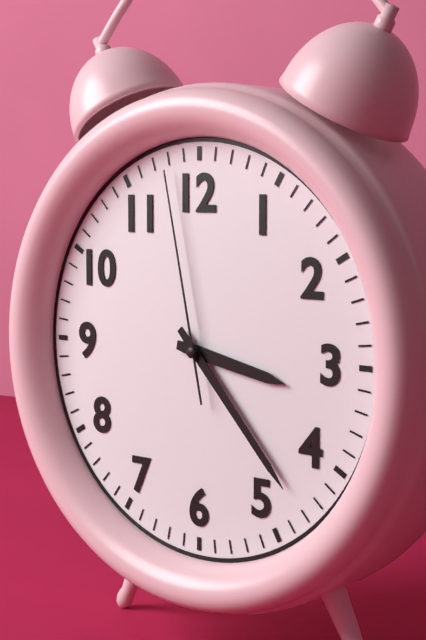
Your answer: 3,23,58
